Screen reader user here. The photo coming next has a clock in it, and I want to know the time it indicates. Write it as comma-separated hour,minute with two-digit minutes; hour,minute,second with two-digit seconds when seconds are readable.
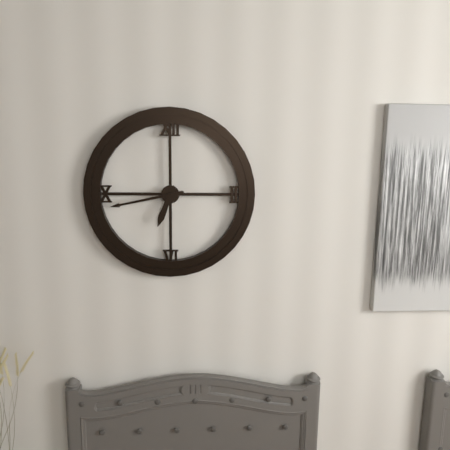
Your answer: 6,43
